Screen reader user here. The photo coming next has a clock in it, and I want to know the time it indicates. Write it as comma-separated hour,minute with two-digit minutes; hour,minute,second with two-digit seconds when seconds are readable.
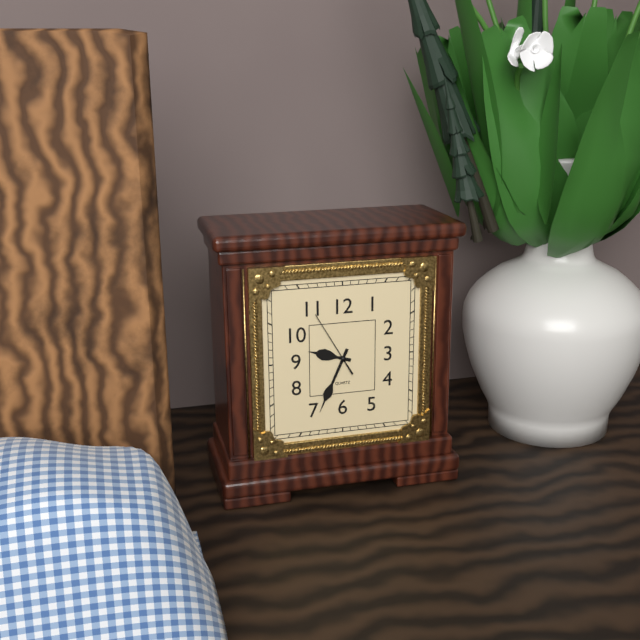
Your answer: 9,34,55
